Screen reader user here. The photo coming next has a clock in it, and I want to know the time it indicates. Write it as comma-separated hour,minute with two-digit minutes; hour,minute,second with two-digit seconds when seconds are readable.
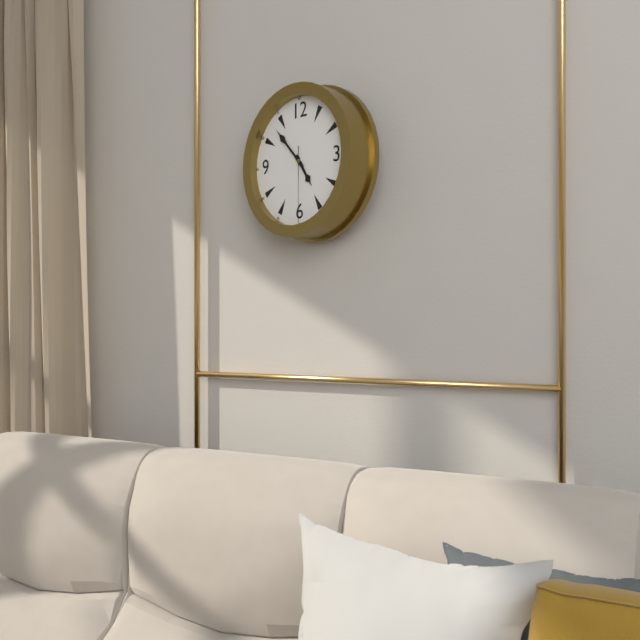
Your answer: 4,53,30
